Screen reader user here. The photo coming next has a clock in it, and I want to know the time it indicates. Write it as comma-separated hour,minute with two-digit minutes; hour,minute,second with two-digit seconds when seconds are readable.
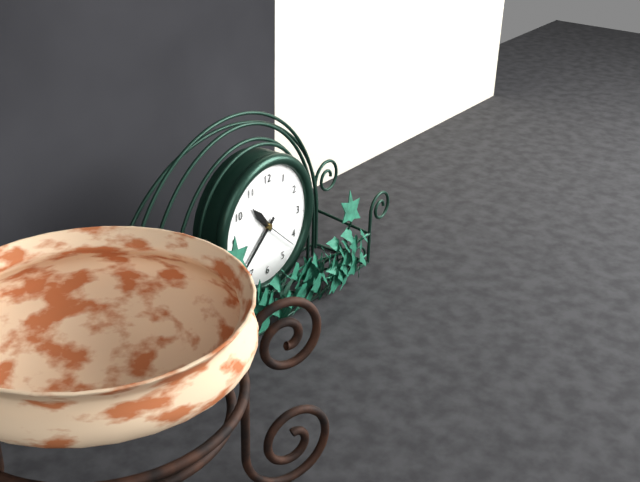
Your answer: 10,38
